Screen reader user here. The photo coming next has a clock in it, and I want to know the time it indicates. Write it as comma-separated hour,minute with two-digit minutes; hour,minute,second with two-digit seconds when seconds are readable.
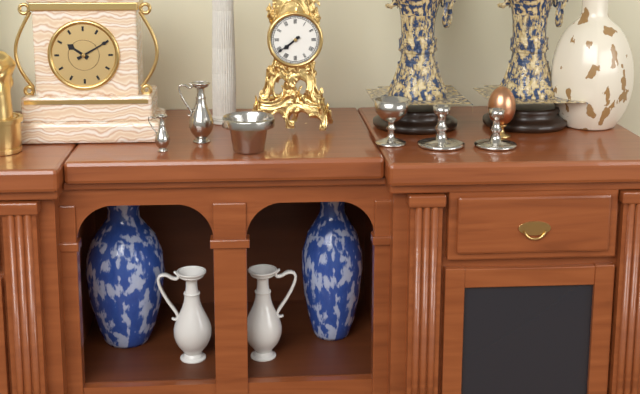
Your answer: 7,39
